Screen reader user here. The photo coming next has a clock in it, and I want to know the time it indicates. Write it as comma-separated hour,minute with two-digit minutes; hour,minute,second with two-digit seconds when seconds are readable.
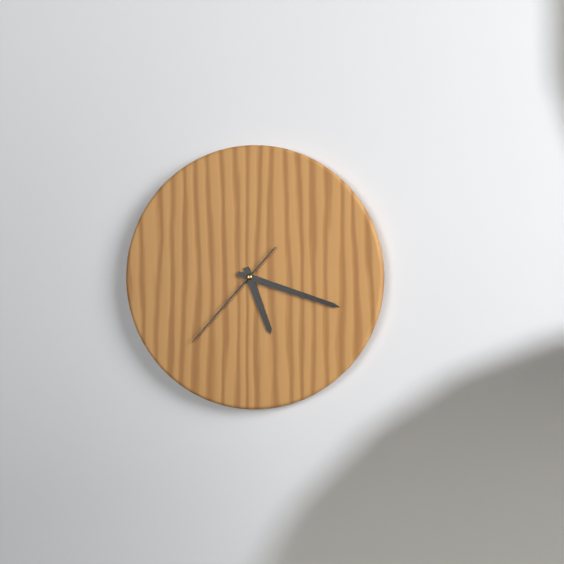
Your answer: 5,18,37
